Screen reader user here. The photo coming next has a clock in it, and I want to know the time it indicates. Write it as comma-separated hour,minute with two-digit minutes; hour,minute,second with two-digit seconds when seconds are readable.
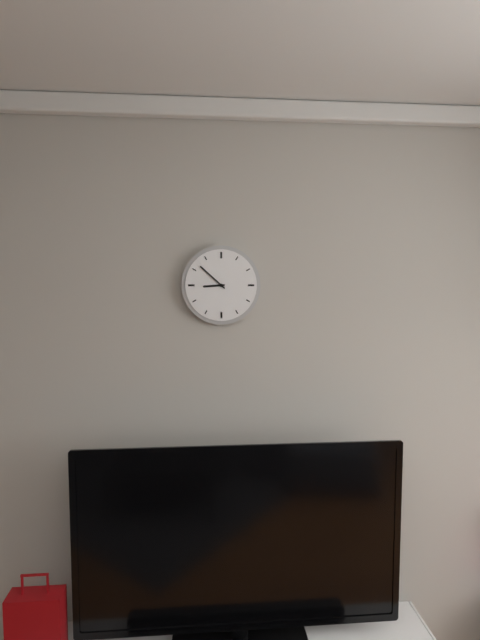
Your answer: 8,52
